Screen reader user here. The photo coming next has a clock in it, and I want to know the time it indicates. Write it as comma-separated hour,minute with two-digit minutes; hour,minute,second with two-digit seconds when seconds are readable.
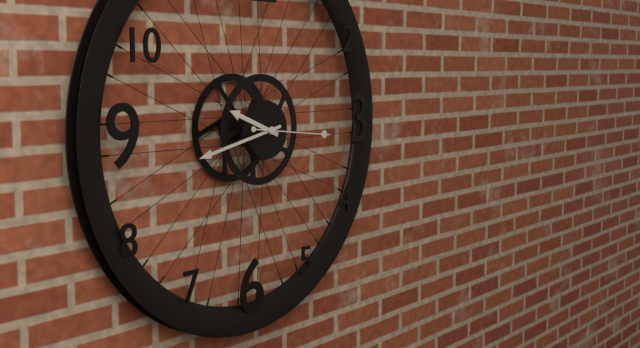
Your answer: 9,43,16
